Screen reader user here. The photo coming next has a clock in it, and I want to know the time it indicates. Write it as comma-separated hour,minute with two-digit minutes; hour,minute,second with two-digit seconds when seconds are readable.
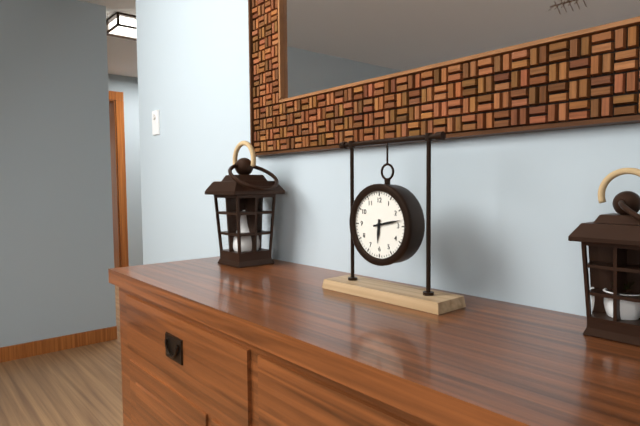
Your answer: 6,13
